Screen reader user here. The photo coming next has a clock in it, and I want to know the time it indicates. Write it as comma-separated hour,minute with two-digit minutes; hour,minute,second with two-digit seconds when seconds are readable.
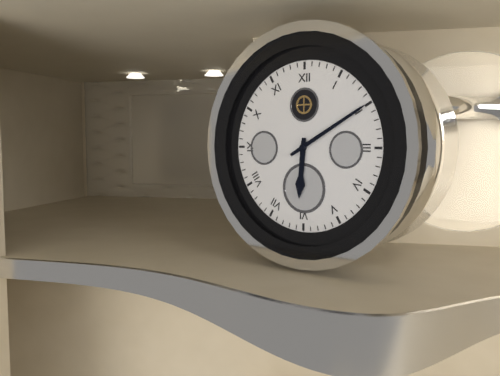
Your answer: 6,10
